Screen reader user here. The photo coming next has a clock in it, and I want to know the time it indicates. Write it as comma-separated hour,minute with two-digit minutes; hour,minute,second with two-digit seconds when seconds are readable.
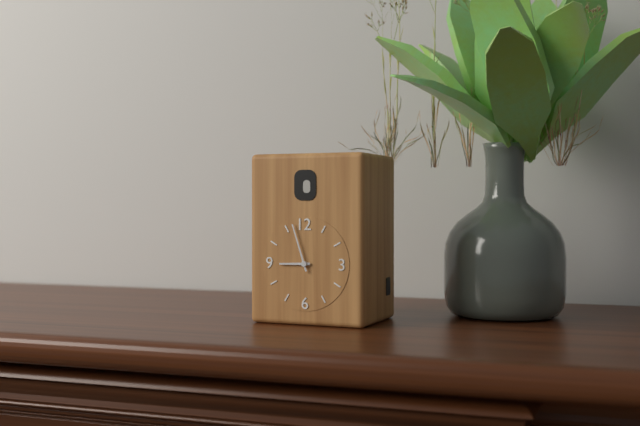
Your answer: 8,57
